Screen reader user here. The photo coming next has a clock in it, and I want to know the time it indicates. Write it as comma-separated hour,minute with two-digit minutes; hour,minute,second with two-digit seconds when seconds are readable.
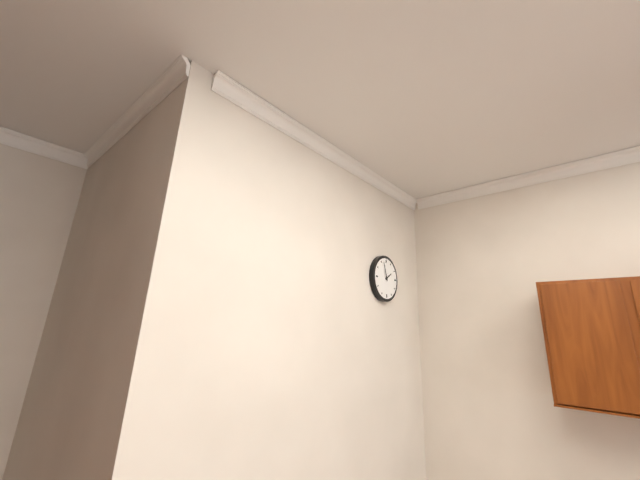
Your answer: 1,57
